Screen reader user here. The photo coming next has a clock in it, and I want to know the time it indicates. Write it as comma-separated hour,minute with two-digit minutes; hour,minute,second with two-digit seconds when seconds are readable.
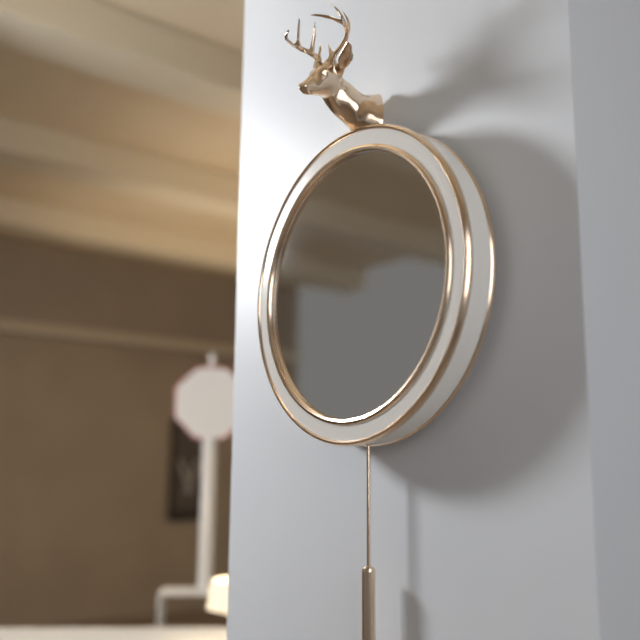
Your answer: 8,18
